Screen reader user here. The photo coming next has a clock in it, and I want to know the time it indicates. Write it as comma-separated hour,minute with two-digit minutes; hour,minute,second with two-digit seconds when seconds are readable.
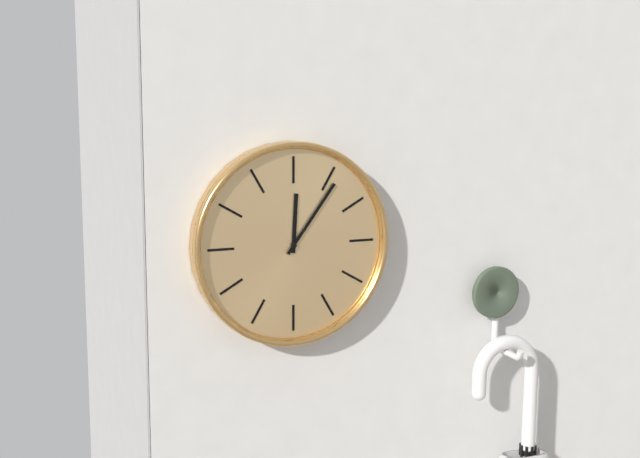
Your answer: 12,06
